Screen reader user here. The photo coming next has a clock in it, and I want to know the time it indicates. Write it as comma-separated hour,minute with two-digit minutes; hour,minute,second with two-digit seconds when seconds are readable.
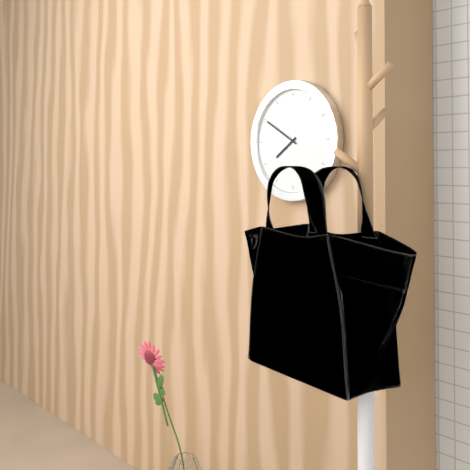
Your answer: 7,50
